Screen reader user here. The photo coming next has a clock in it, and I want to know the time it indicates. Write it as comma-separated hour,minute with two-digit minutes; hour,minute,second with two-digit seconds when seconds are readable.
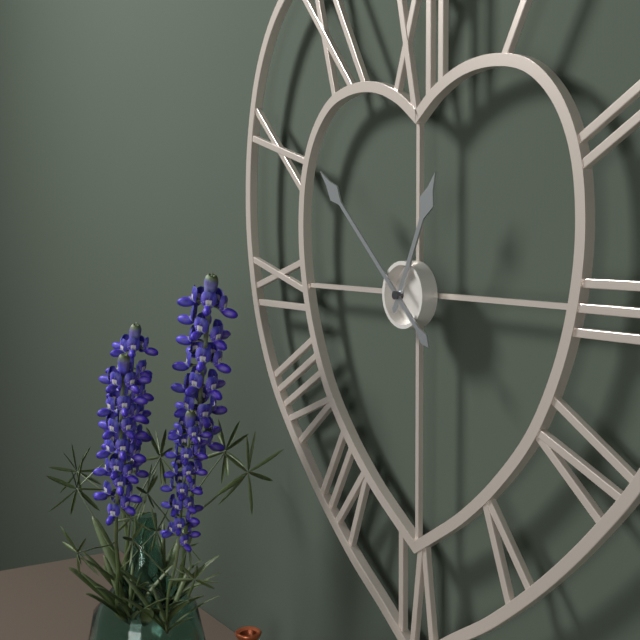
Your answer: 12,52
